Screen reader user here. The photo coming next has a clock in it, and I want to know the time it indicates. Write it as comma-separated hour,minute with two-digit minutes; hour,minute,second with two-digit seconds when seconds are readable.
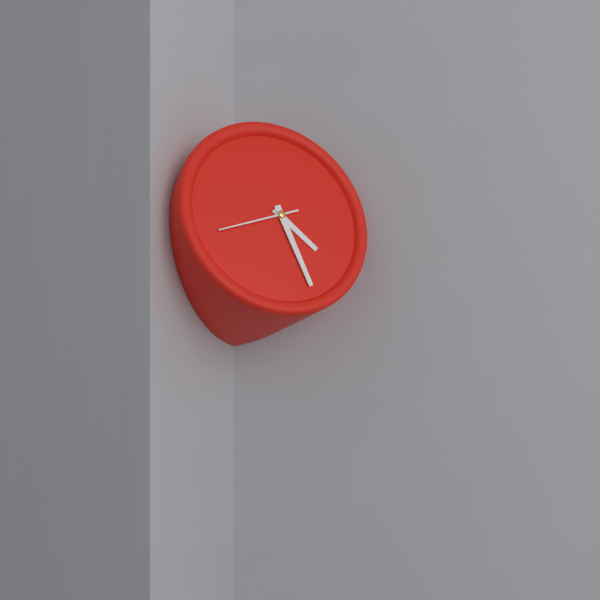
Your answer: 4,27,42
